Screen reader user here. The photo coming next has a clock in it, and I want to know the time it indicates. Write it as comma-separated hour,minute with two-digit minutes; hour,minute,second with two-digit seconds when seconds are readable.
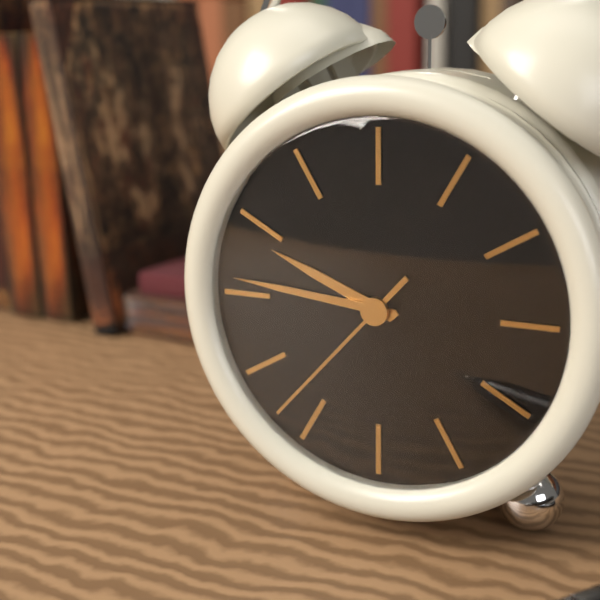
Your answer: 9,46,37
